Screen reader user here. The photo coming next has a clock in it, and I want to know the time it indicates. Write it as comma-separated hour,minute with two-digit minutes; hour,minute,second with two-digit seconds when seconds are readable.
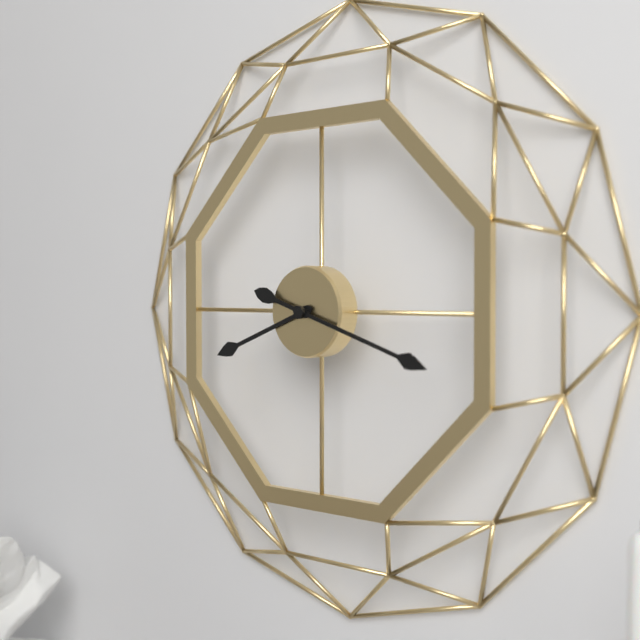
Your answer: 8,18
